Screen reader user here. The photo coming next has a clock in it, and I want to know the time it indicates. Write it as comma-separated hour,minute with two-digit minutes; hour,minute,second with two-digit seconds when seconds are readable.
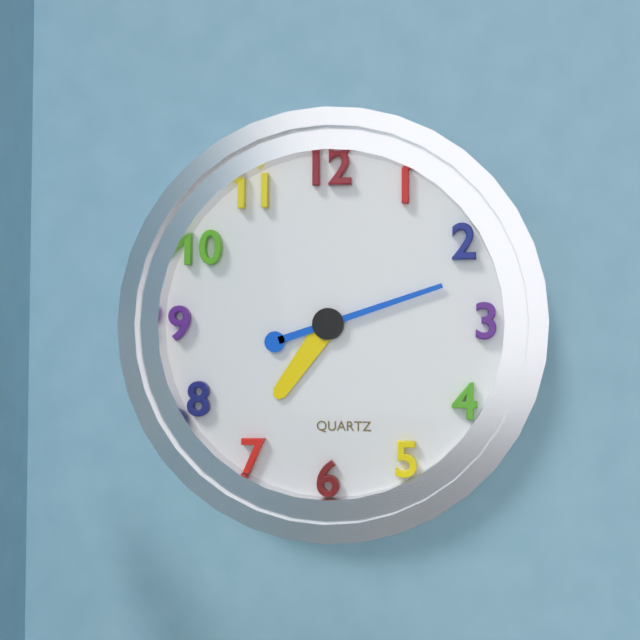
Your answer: 7,12
